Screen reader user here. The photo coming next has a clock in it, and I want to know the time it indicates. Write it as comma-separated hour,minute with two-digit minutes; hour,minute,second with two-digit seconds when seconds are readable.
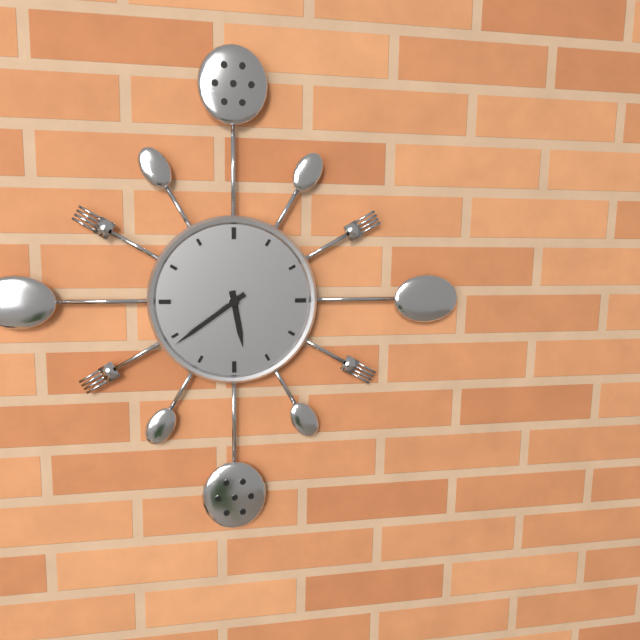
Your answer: 5,39
